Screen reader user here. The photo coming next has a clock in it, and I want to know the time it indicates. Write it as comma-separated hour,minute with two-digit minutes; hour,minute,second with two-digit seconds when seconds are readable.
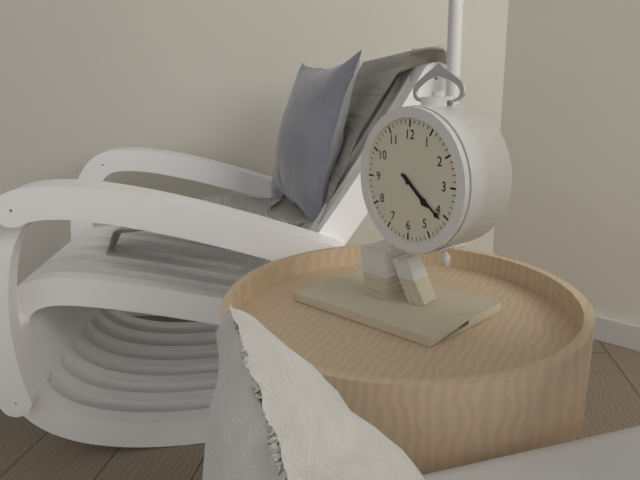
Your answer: 4,21
